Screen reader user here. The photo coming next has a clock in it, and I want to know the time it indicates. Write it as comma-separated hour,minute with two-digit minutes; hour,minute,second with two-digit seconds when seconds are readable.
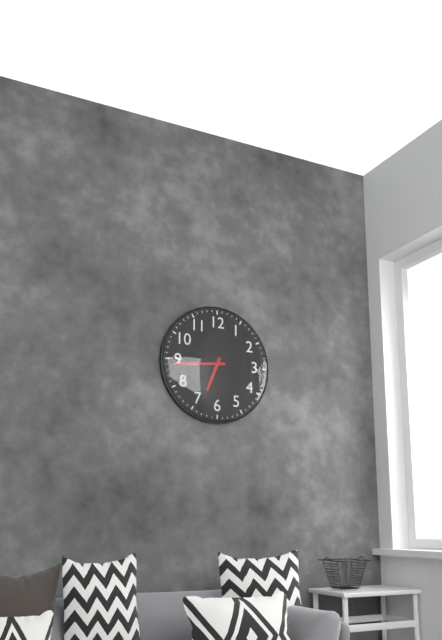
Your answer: 6,44
